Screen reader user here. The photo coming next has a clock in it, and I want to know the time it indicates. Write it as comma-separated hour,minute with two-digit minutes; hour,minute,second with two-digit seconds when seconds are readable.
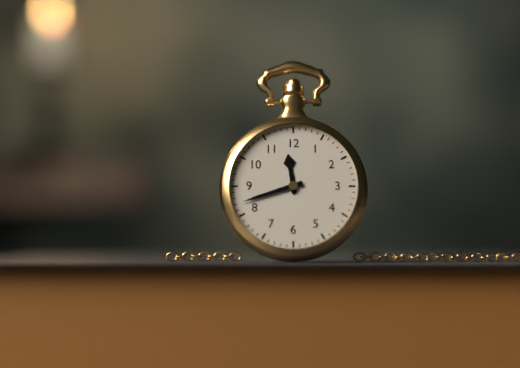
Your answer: 11,42
